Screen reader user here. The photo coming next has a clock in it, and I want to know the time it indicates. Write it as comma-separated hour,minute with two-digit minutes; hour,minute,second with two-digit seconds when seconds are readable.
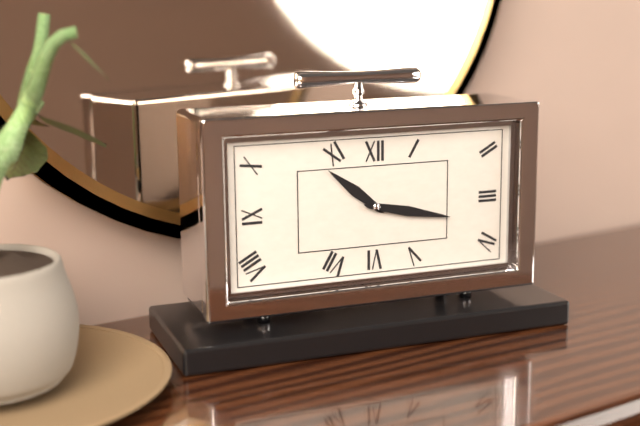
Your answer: 10,17
